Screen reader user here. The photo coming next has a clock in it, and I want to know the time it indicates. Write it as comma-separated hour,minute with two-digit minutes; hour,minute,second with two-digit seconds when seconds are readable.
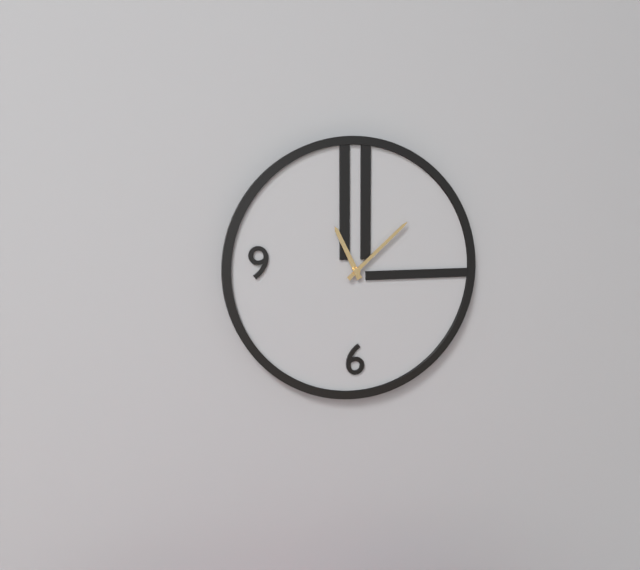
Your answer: 11,08
